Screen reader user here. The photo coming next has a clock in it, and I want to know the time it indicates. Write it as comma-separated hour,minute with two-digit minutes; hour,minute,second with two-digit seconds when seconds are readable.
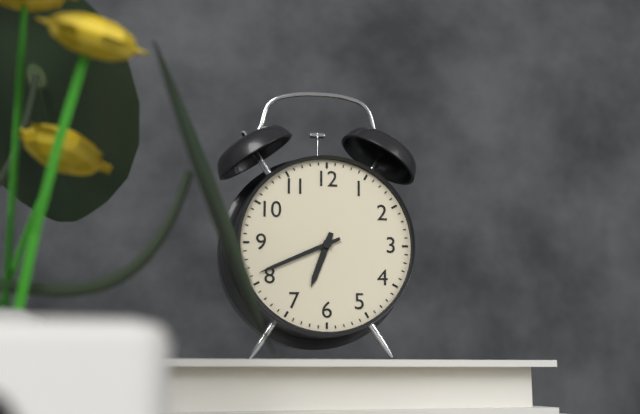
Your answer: 6,41
